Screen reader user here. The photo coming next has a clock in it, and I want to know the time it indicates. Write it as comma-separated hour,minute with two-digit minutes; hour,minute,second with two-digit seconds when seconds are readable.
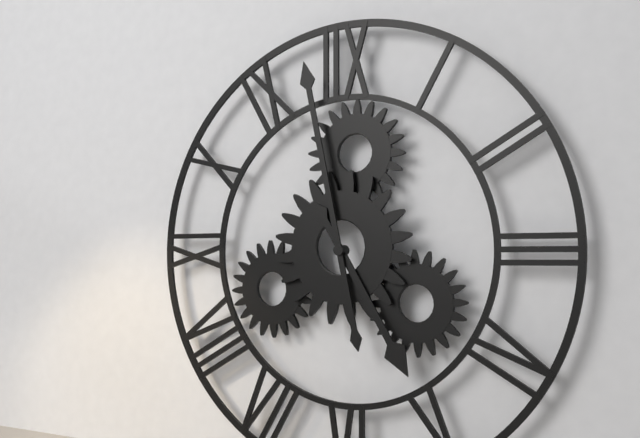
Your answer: 4,58
